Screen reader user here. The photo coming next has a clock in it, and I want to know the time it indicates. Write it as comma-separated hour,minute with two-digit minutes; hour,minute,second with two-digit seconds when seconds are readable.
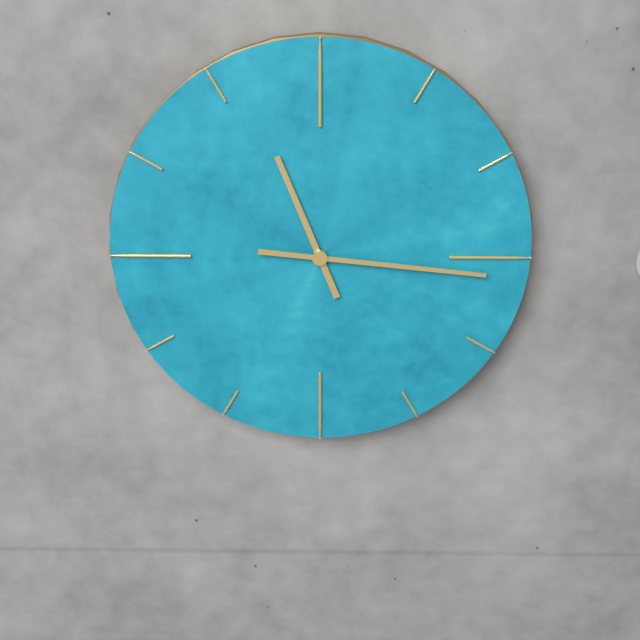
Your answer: 11,16
